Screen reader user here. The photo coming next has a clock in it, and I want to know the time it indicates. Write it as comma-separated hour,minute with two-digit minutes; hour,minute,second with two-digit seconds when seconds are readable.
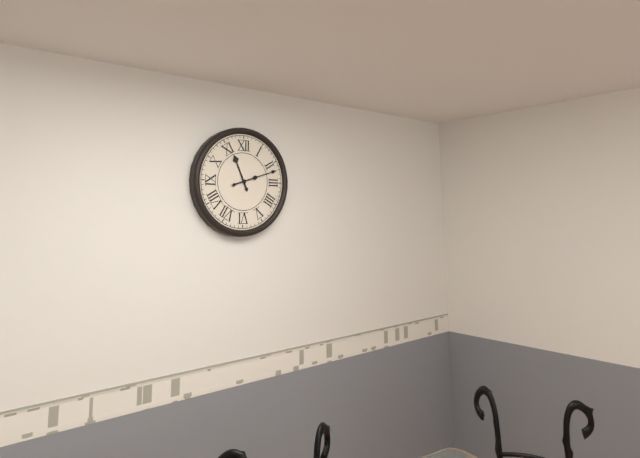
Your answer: 11,12
